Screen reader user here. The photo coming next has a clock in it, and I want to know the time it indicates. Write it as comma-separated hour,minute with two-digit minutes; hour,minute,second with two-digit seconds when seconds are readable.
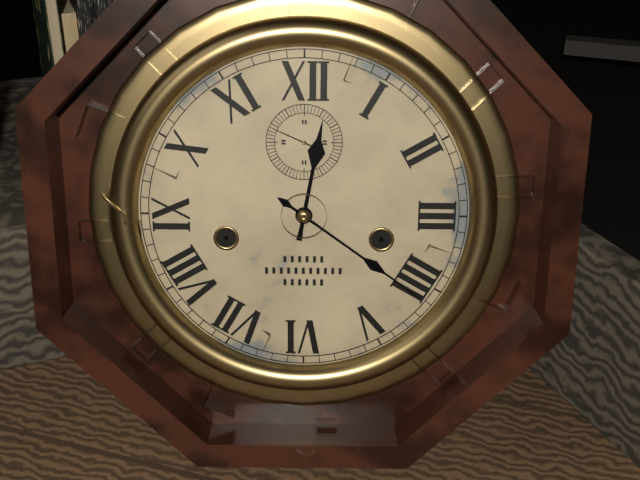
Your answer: 12,21
